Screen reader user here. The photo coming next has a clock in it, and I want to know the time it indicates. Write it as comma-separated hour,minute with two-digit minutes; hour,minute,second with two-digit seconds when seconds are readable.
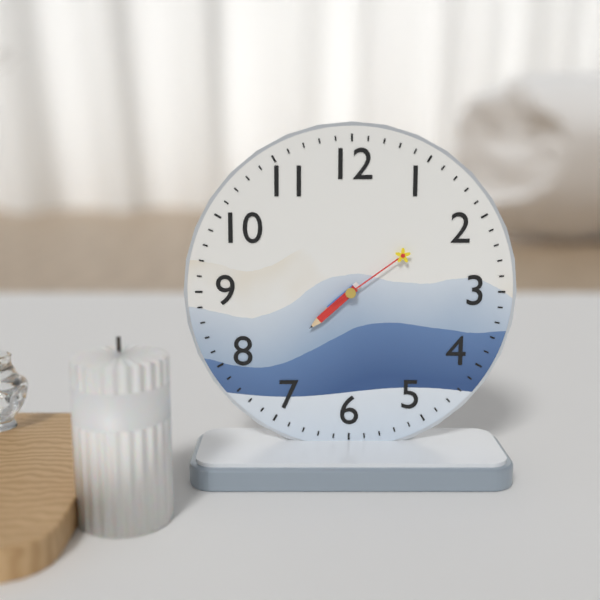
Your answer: 7,38,09
